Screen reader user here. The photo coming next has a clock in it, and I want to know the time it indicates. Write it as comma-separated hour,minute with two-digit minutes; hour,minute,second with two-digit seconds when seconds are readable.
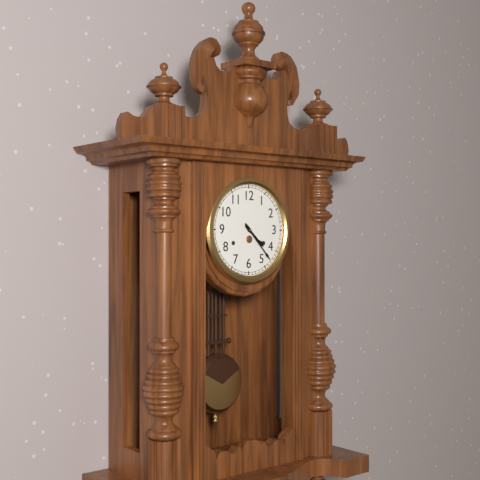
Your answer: 4,23
